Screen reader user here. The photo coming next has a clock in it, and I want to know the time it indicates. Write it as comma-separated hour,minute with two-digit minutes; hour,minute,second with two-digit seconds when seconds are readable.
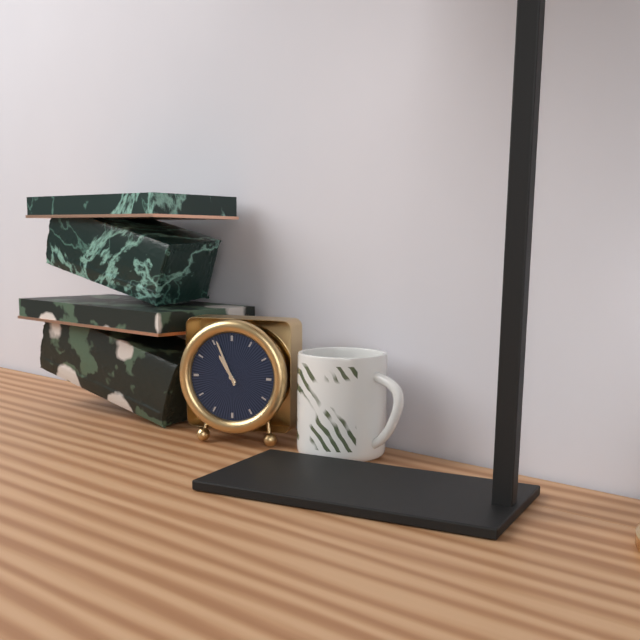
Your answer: 10,56
